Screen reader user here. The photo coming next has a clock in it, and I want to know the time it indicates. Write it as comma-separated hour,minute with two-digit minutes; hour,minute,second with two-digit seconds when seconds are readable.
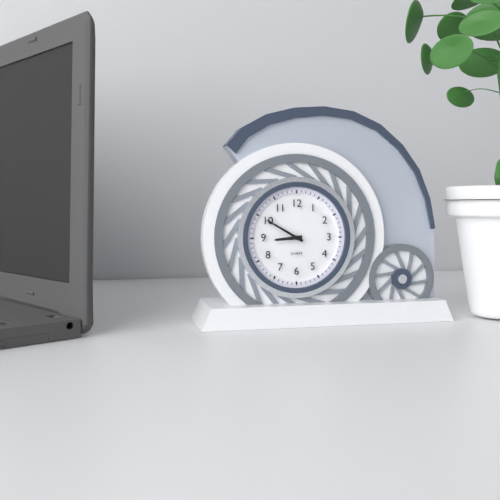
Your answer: 8,50
